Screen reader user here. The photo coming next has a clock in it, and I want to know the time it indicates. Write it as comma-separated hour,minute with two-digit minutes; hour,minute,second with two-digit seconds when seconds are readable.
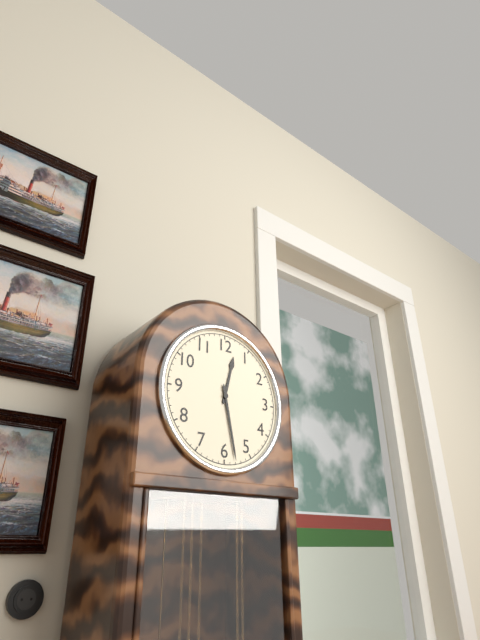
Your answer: 12,28
